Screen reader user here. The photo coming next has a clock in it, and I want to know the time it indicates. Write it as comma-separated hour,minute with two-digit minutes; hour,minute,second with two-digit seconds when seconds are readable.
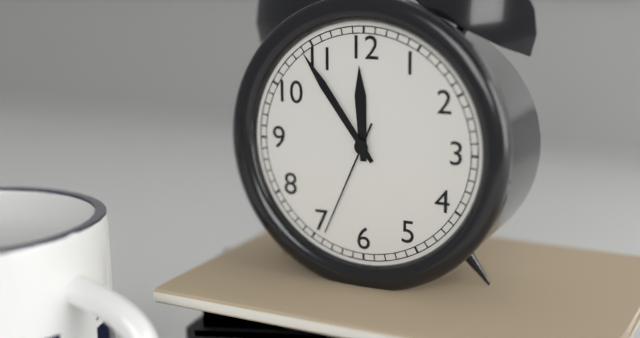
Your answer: 11,54,34
